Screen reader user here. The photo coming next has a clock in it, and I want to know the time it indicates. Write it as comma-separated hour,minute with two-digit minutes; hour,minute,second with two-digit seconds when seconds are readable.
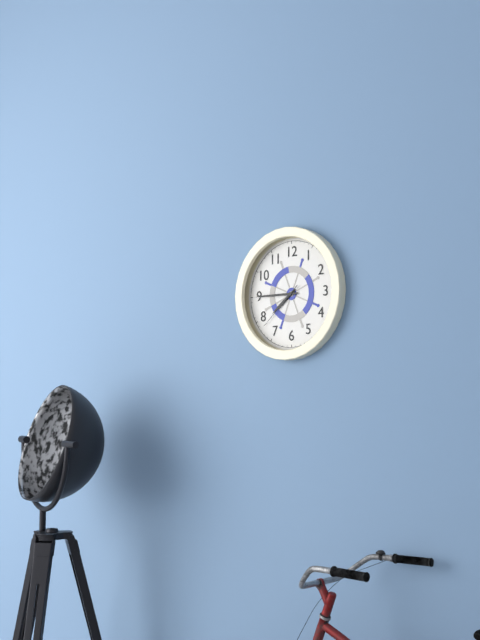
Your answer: 7,45,38
